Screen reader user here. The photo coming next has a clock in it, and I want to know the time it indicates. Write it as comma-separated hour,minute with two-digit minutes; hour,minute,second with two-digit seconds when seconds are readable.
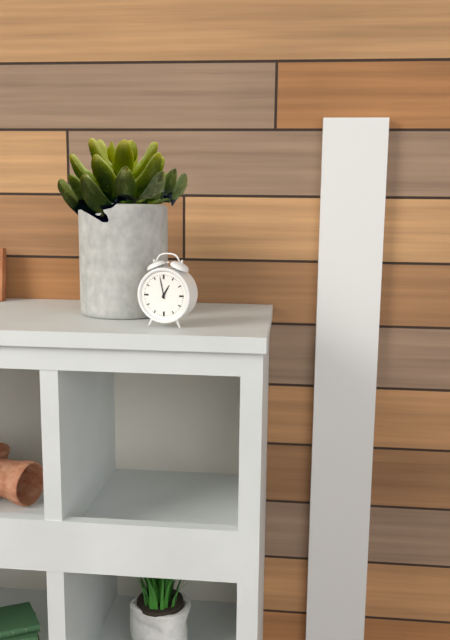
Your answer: 12,58
